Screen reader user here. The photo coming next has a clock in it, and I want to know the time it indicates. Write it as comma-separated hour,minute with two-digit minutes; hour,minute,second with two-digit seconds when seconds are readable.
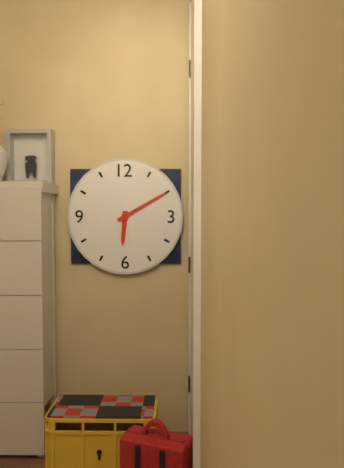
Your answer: 6,10
